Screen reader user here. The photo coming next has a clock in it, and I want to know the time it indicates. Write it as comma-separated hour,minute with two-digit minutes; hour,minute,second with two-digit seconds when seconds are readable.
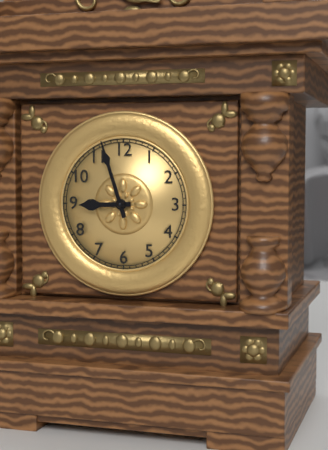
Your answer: 8,57
